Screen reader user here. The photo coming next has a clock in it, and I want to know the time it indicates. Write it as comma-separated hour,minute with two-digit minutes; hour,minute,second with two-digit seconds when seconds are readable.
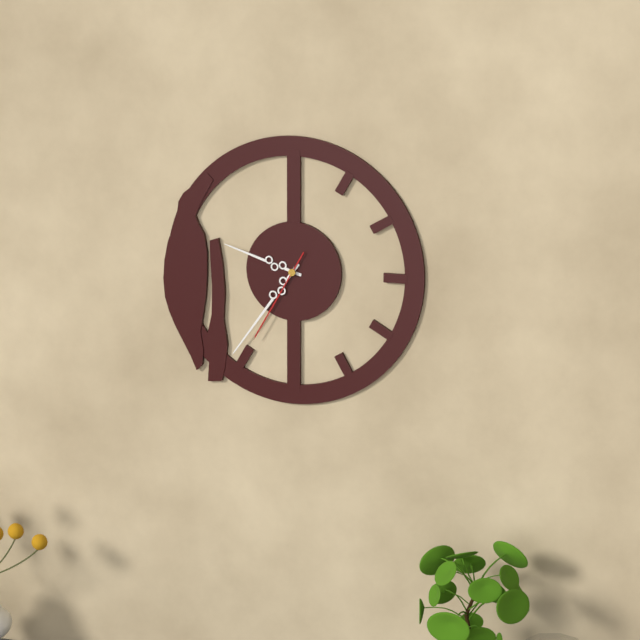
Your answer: 9,36,35
